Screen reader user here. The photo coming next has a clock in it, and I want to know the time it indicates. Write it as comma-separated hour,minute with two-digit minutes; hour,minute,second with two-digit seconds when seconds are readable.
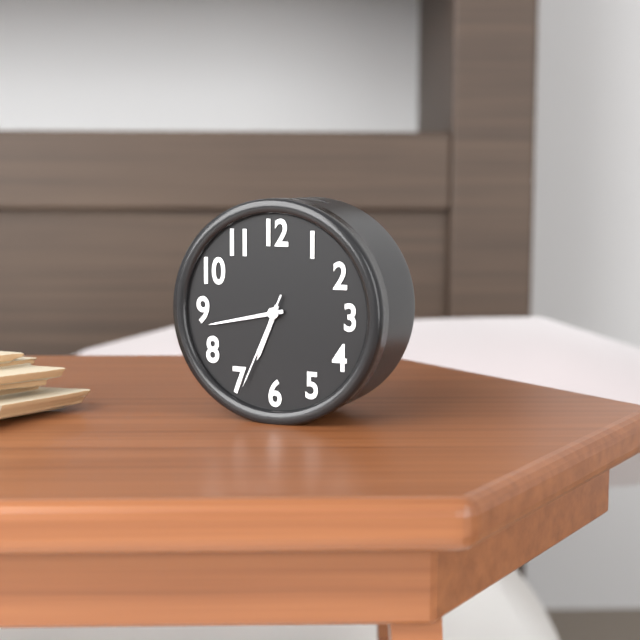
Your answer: 6,43,34
